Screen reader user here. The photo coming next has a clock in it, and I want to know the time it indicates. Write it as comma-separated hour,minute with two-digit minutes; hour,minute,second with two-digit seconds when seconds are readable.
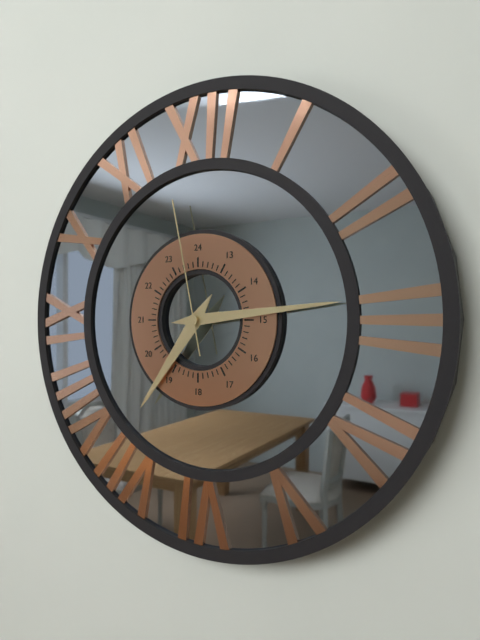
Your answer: 7,14,58
